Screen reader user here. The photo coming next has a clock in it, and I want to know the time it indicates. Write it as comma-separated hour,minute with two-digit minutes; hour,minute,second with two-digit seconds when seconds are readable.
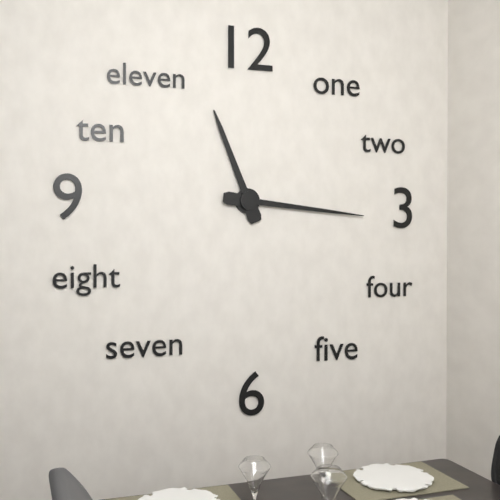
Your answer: 11,16
